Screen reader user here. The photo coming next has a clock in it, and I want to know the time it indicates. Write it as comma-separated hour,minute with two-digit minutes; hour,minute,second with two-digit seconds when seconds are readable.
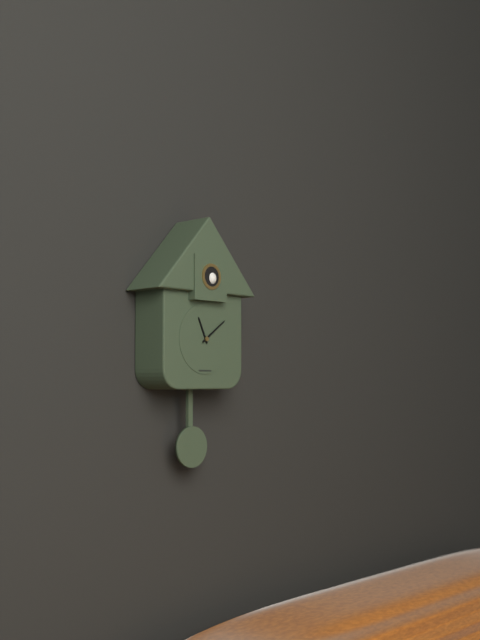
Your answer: 11,09
